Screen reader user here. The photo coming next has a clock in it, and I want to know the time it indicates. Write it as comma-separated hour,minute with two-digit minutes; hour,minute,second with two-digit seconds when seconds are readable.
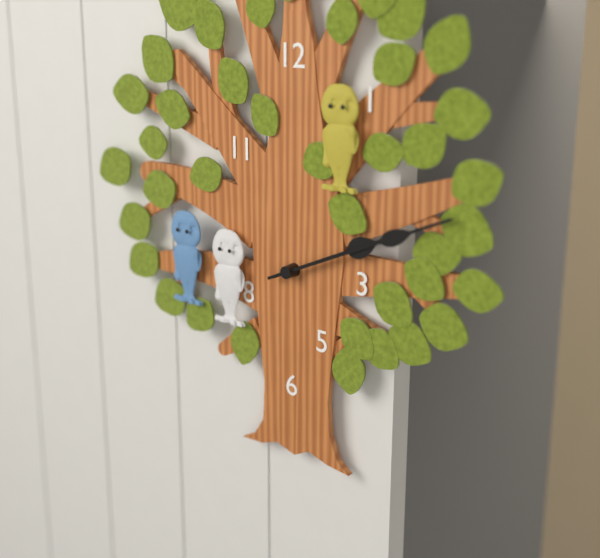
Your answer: 2,11
